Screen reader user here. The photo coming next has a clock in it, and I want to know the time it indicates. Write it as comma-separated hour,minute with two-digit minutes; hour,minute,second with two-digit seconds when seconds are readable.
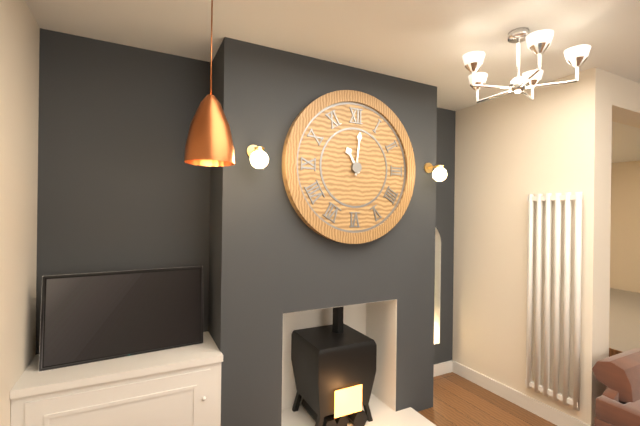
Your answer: 11,01
